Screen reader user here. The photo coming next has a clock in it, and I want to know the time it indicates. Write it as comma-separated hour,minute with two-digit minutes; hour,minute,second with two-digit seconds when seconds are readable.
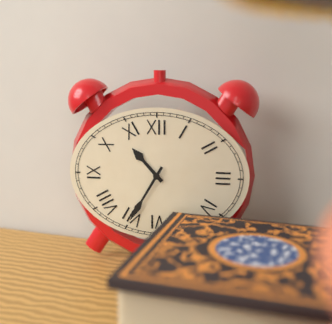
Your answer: 10,35
